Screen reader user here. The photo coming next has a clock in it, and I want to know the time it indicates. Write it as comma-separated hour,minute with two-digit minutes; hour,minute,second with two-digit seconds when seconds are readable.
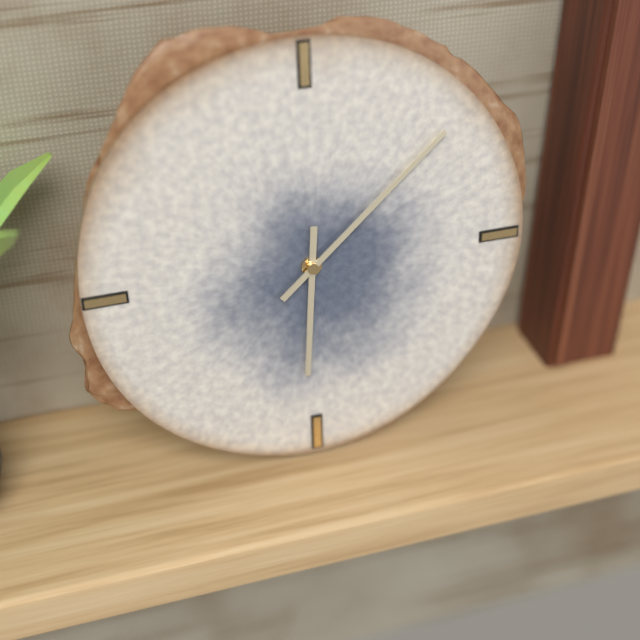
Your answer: 6,08
